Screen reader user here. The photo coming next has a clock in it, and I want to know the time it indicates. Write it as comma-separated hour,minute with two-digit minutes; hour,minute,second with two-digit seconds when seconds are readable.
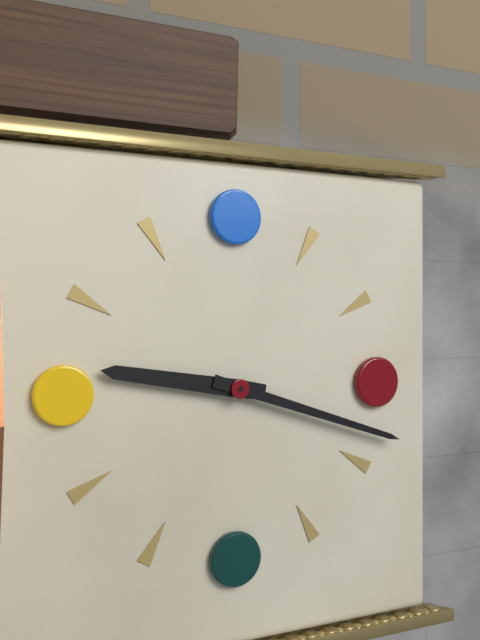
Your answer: 9,18
